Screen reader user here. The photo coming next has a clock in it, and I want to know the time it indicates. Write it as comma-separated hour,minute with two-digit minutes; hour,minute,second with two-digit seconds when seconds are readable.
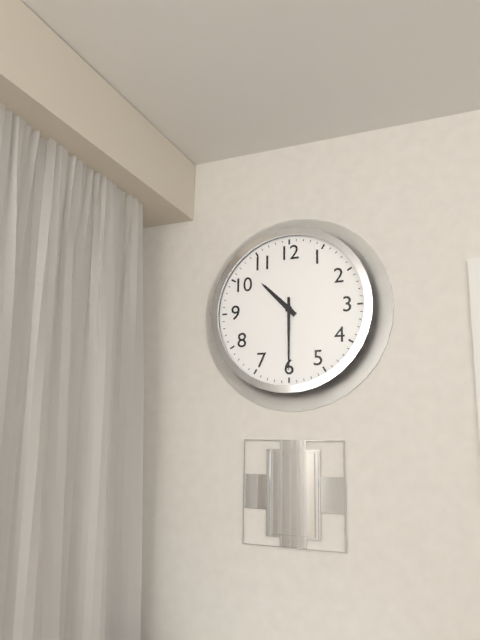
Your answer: 10,30
